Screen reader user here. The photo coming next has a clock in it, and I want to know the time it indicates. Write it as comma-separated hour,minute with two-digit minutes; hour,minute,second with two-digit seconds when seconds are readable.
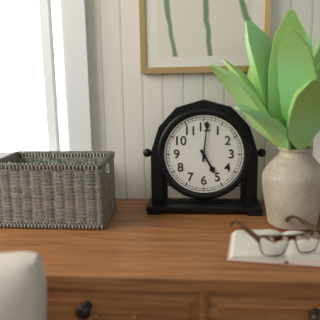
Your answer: 5,01
